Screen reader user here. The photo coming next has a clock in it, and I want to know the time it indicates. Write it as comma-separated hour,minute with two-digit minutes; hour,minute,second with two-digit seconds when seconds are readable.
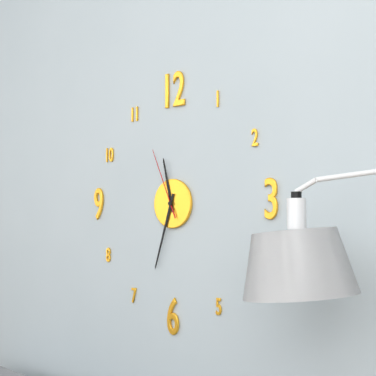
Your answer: 11,33,56
